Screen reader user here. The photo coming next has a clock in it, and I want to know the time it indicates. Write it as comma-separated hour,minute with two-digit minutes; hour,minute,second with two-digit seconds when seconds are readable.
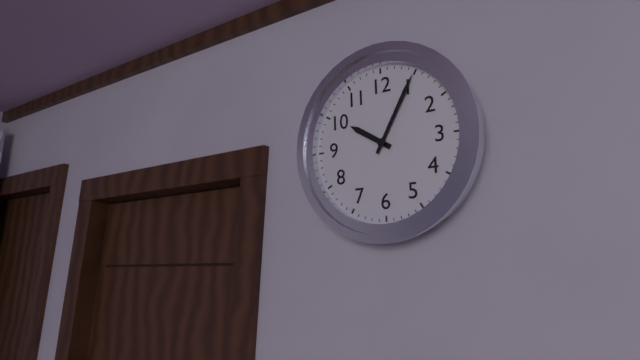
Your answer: 10,05
